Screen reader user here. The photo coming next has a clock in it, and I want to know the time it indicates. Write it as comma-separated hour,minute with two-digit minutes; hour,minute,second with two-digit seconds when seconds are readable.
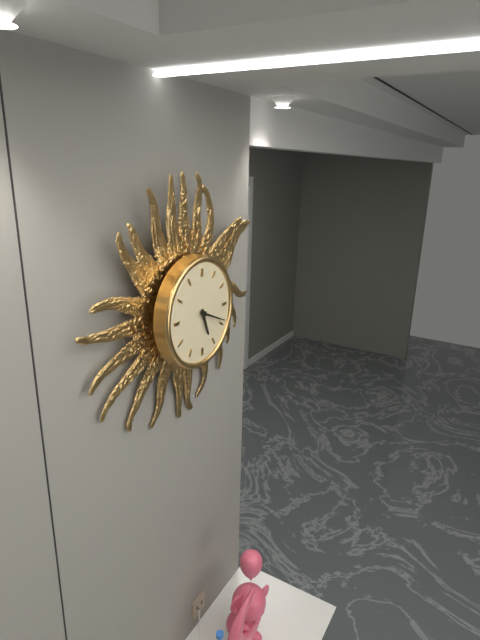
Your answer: 5,19
